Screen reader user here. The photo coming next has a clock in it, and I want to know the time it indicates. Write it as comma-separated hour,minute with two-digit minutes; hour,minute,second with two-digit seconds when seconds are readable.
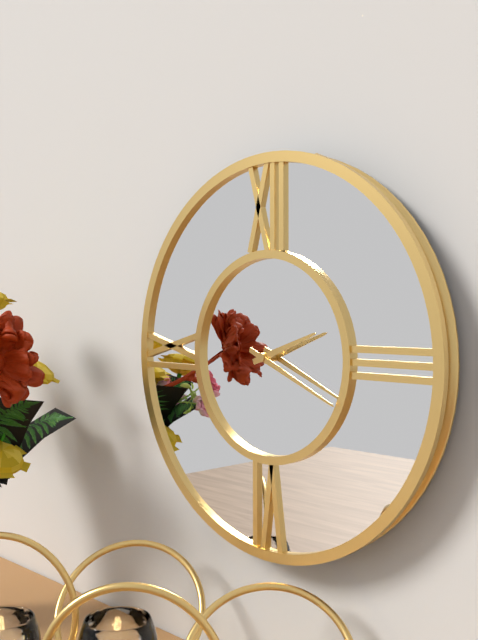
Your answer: 2,19
